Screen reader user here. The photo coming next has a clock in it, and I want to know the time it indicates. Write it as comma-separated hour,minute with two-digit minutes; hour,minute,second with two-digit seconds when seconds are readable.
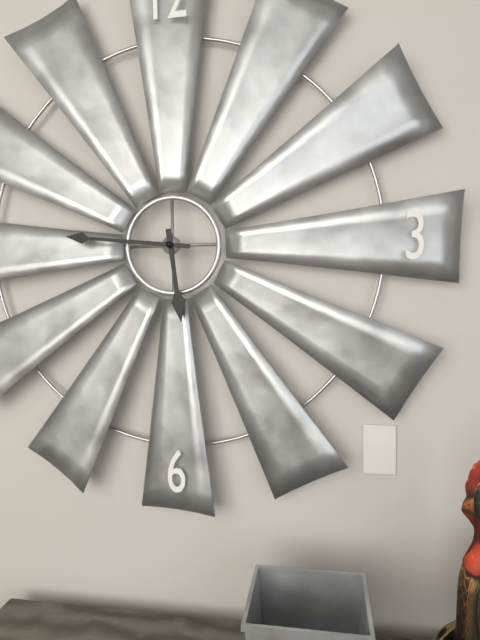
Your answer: 5,46
